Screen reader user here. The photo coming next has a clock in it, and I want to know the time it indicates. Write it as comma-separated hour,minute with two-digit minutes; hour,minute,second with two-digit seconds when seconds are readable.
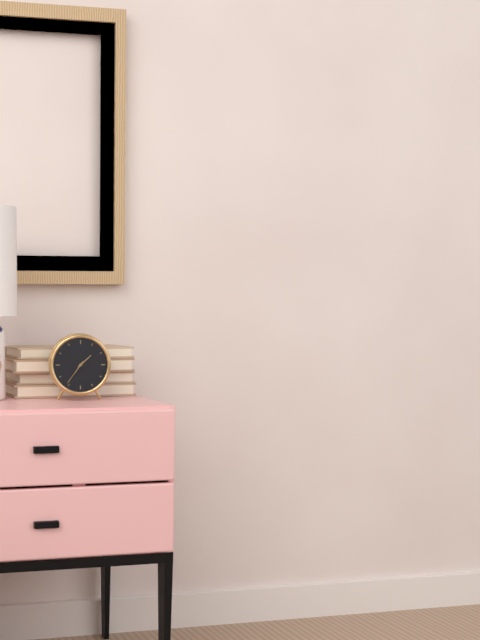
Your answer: 1,36
